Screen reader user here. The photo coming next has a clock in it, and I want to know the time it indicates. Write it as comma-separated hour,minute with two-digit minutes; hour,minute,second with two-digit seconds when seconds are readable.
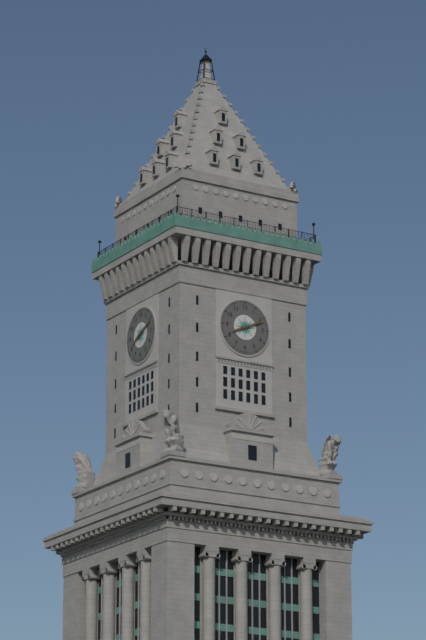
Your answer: 8,11
